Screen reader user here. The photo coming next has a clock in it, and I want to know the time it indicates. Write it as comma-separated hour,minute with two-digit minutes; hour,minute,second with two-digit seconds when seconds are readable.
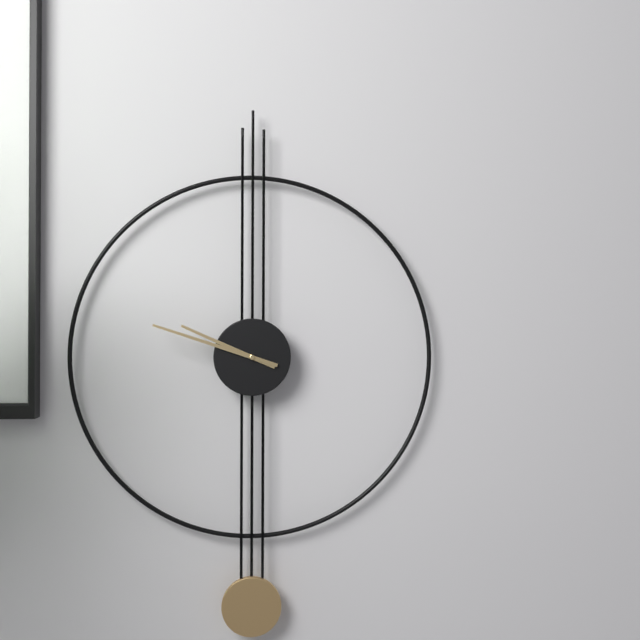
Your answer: 9,48
